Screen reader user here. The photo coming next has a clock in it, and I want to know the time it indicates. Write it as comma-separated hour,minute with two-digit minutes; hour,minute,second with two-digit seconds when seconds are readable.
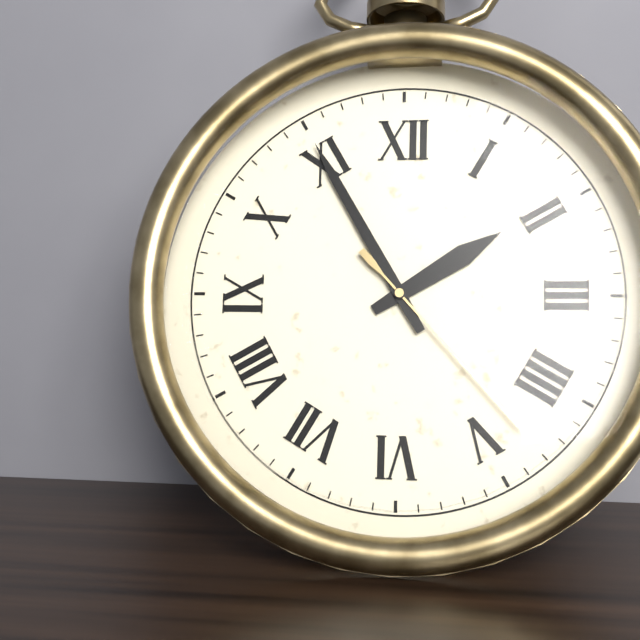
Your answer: 1,55,23
